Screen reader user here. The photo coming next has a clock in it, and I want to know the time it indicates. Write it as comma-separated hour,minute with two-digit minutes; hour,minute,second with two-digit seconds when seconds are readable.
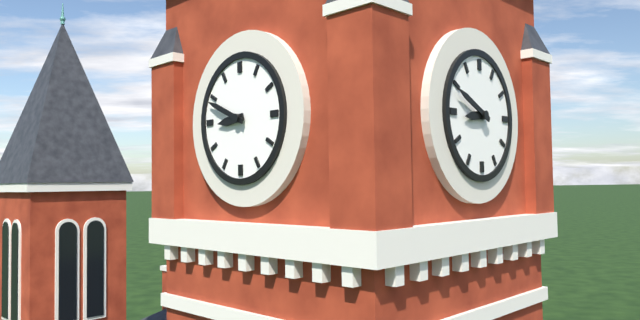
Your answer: 8,49
